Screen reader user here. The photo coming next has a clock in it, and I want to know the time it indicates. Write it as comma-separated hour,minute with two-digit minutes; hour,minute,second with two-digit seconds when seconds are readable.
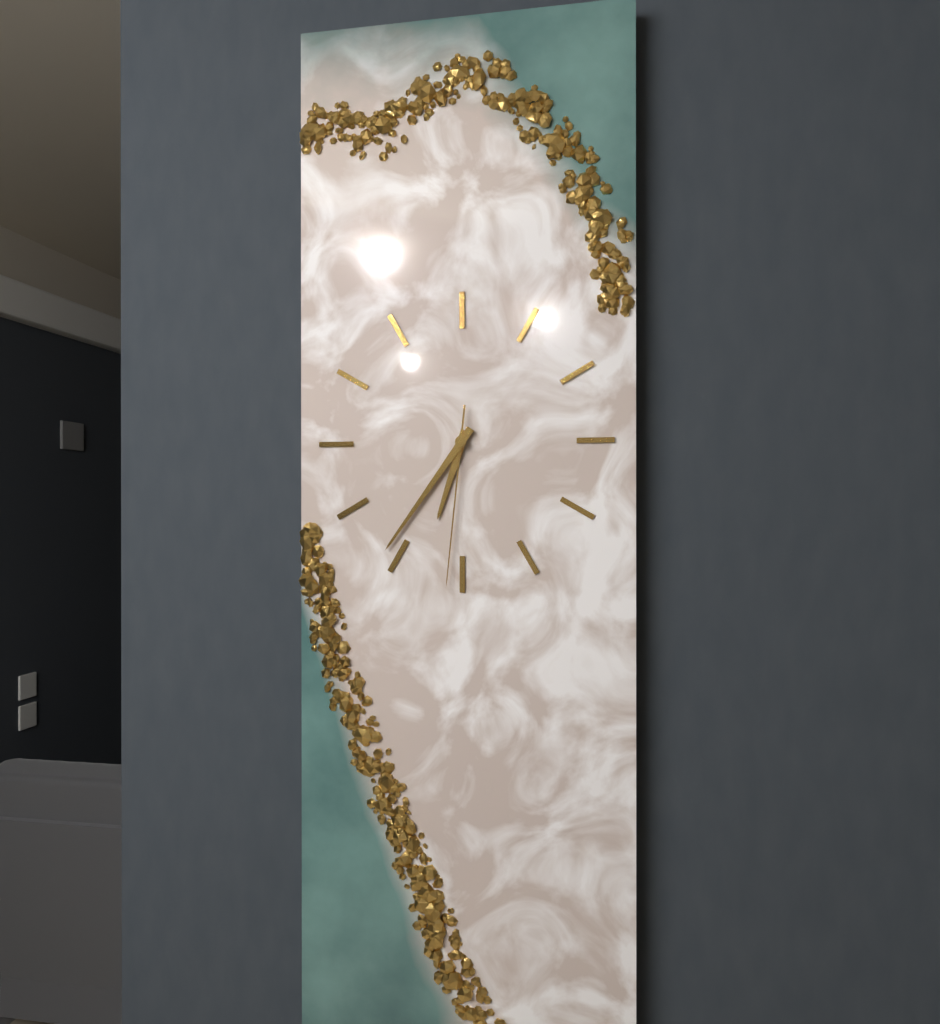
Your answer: 6,36,31
